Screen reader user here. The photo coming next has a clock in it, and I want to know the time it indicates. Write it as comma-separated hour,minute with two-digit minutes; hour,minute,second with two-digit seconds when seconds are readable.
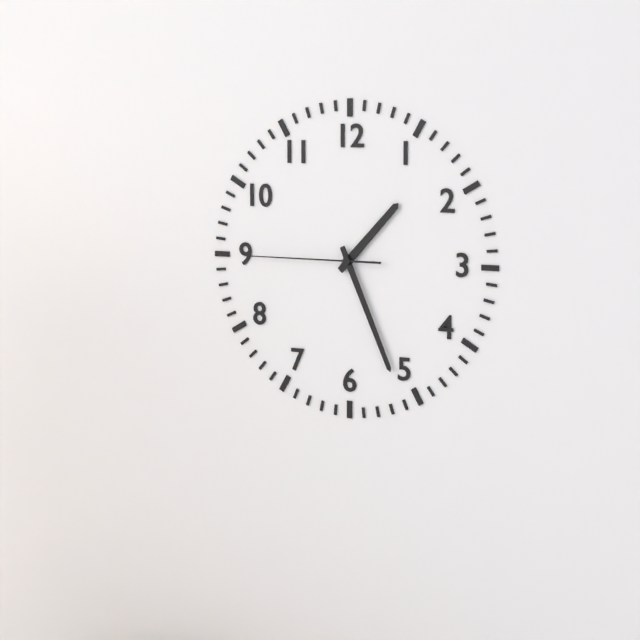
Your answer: 1,26,45
